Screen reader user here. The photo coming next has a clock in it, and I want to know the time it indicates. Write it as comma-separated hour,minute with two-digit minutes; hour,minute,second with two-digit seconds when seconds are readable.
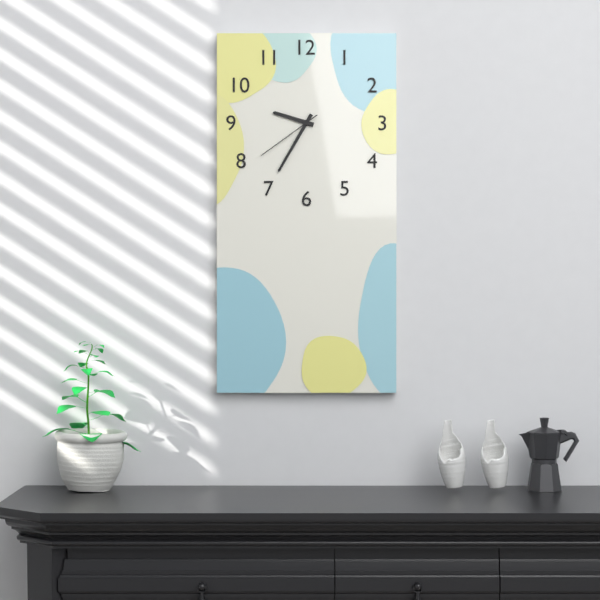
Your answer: 9,35,39
